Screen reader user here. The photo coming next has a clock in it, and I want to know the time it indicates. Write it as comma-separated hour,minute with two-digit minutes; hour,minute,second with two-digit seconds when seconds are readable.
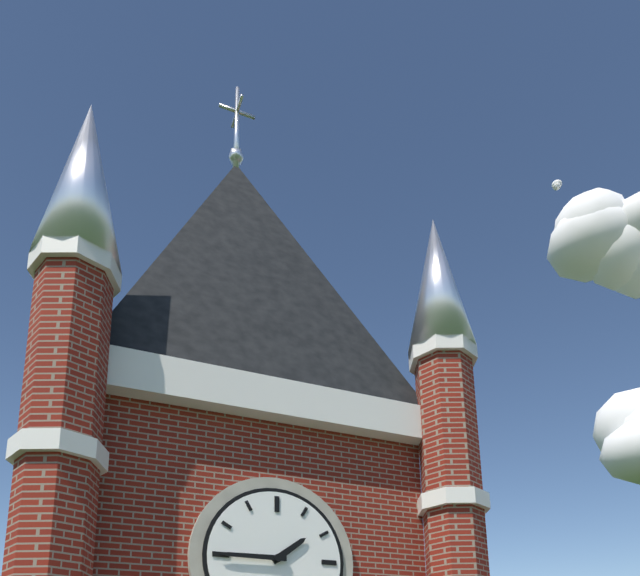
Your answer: 1,45
